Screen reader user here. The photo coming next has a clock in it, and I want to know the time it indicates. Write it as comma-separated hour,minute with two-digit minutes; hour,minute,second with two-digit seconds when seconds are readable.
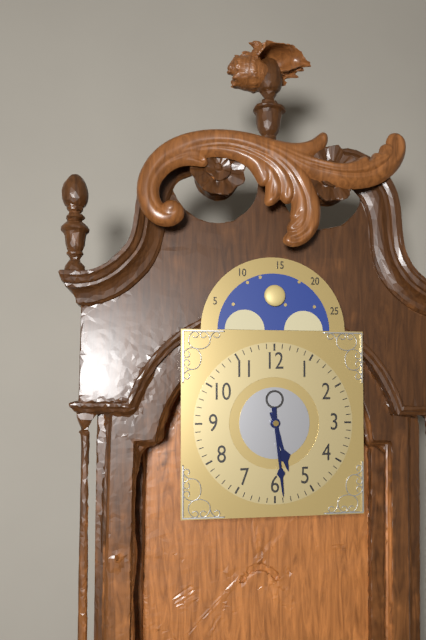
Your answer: 5,29
